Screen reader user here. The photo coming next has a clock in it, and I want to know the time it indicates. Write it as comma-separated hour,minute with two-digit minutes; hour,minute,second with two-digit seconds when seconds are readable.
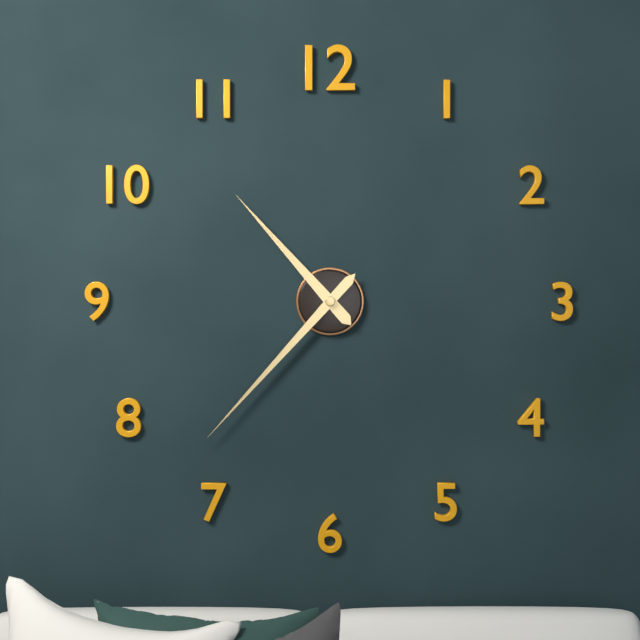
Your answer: 10,37
